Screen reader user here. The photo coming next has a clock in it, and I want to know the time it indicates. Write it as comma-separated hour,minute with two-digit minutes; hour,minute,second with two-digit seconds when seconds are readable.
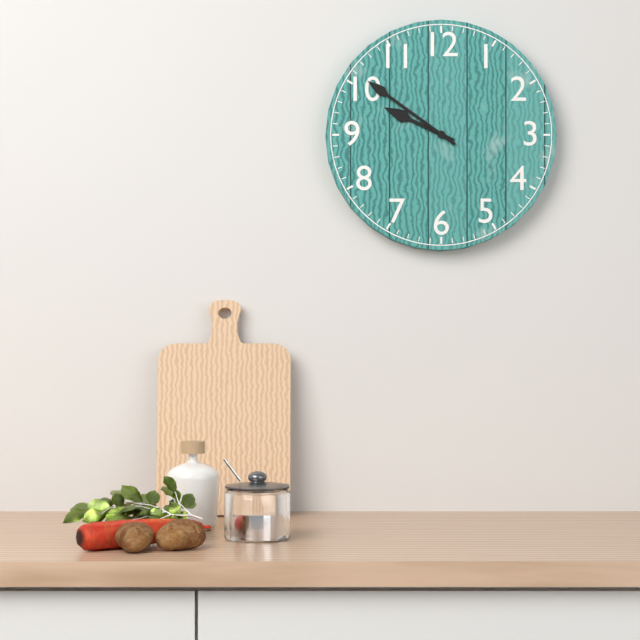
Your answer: 9,51
